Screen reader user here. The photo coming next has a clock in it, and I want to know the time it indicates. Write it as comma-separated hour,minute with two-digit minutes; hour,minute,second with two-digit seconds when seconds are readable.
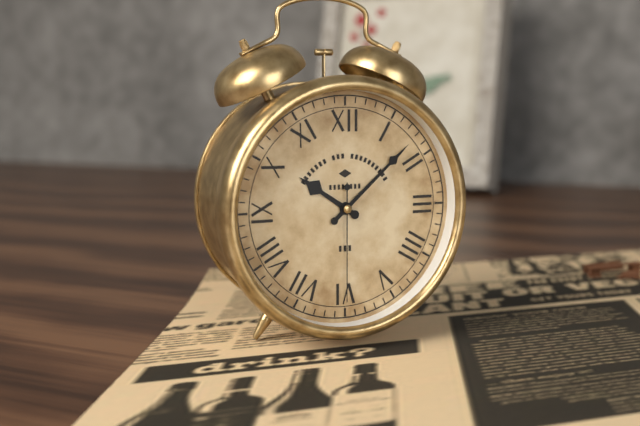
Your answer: 10,08,30
